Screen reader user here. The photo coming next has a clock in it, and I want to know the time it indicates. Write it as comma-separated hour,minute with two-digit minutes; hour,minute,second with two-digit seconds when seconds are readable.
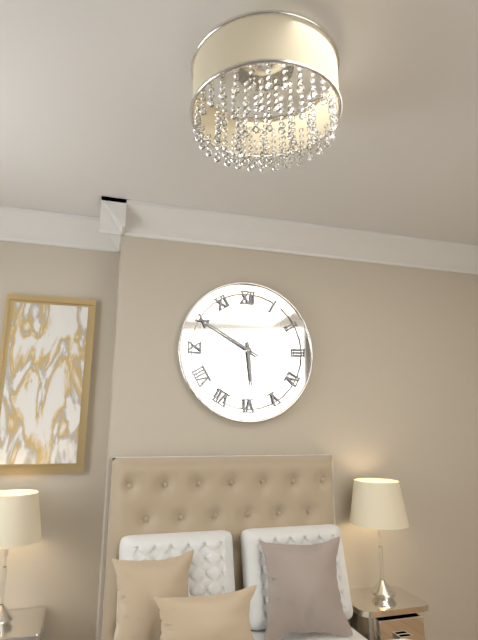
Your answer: 5,50
